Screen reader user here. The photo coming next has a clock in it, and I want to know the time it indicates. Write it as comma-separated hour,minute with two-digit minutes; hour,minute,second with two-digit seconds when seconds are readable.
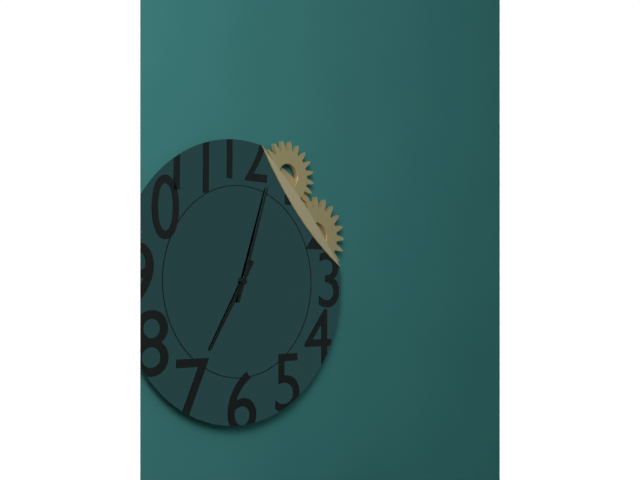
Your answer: 7,03
